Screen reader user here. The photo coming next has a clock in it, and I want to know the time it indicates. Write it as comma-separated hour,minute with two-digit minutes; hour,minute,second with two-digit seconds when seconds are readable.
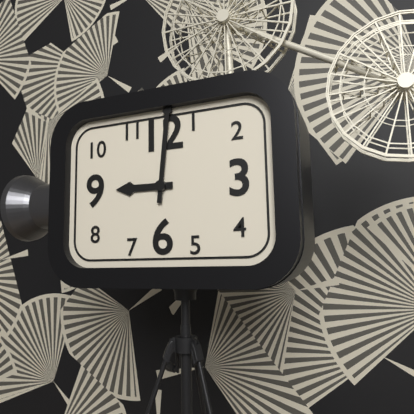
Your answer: 9,01
